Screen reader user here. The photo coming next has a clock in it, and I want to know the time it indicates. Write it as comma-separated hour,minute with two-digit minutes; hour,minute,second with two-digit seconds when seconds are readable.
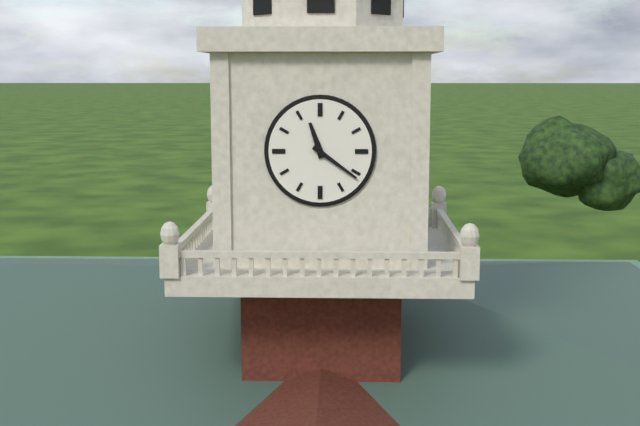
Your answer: 11,21
